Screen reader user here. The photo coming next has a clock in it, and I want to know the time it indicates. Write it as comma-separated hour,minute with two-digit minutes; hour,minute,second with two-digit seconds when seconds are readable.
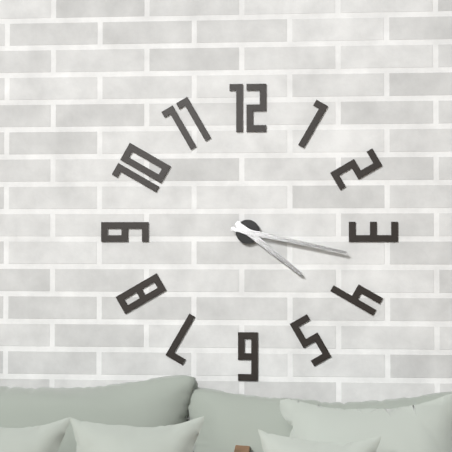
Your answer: 4,17
